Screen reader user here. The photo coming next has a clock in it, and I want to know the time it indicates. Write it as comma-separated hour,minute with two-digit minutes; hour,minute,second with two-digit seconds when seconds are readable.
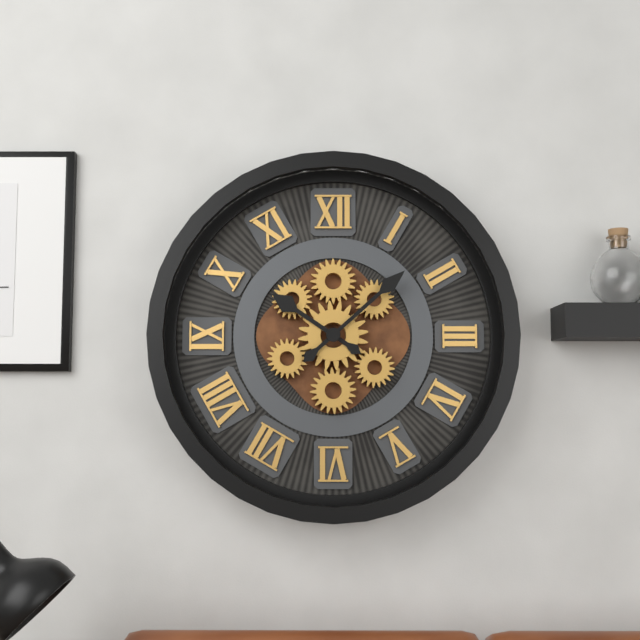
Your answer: 10,08
